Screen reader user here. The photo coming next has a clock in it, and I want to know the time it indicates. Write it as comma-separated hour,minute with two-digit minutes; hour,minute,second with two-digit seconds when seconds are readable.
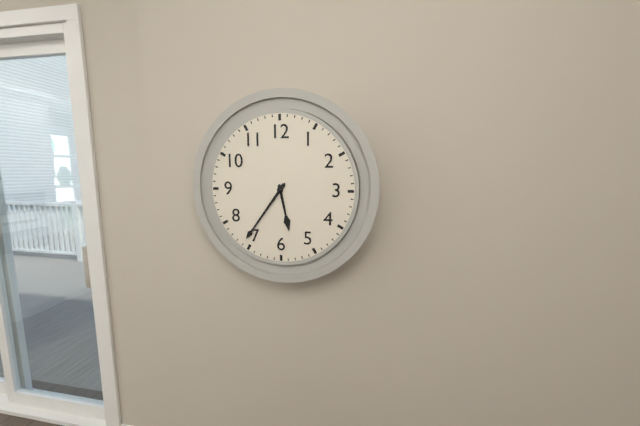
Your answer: 5,36
